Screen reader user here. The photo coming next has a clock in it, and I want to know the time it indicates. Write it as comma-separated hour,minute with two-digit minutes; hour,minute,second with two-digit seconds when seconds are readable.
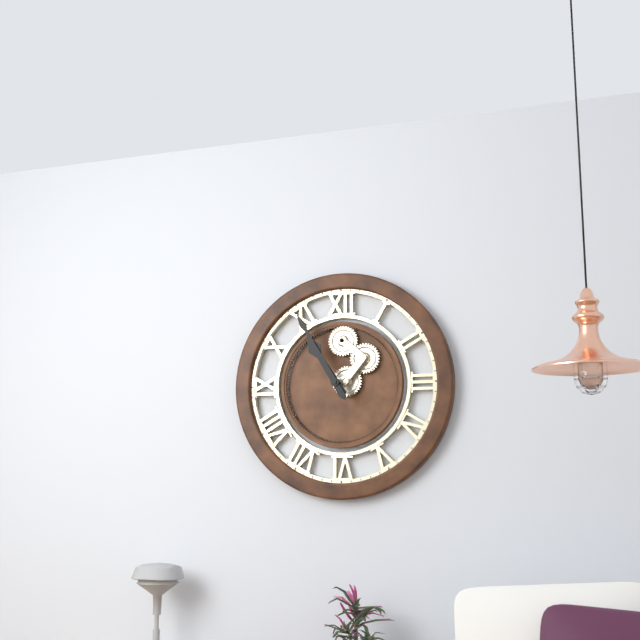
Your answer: 10,55
